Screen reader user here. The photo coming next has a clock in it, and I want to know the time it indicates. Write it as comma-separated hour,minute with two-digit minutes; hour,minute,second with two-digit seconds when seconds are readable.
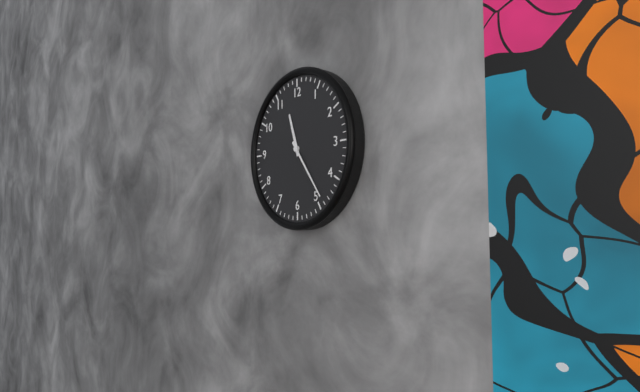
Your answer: 11,24
